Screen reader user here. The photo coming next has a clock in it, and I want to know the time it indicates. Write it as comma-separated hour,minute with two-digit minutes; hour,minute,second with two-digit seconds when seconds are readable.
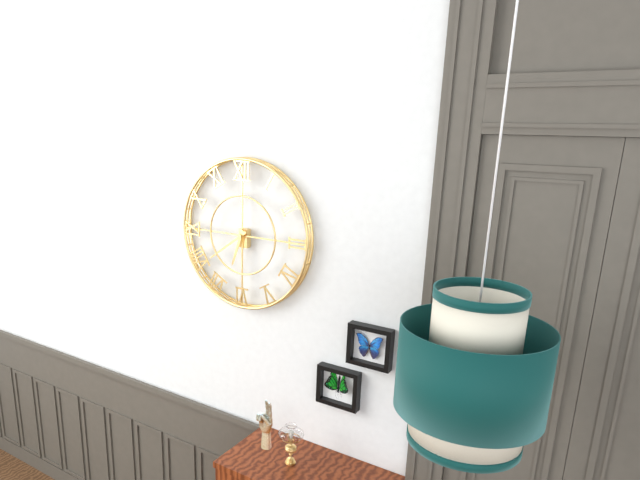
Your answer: 6,39
